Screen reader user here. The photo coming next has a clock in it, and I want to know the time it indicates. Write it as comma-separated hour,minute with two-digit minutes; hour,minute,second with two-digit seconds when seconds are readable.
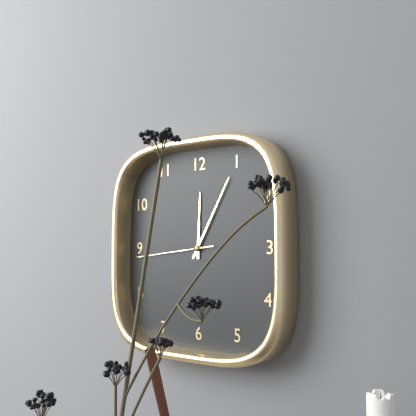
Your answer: 12,05,44
